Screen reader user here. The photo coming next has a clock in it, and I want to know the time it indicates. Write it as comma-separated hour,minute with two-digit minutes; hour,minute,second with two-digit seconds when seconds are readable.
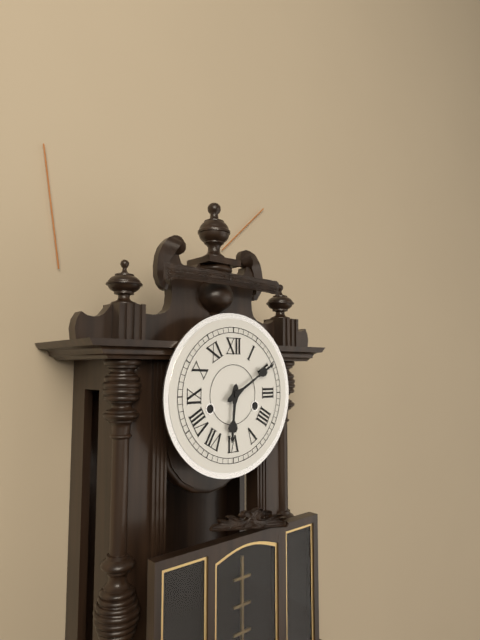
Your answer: 6,10
